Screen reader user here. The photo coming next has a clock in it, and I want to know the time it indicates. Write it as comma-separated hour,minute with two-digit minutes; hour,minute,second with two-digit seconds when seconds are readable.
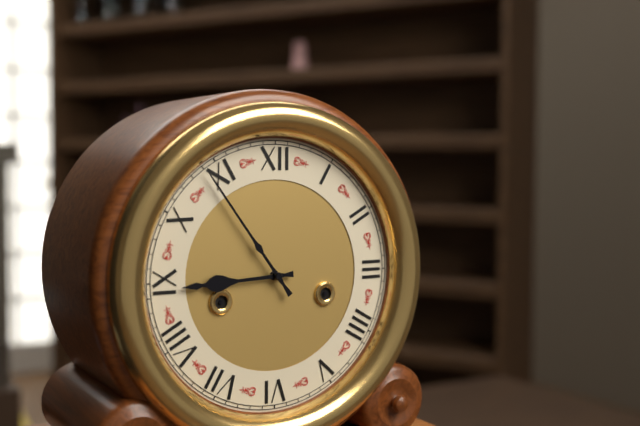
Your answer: 8,54
